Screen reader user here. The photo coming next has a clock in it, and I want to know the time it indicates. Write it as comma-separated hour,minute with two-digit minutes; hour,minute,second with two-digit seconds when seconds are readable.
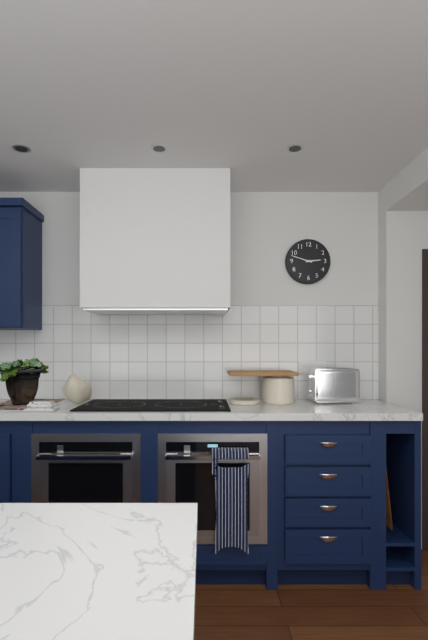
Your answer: 2,48
